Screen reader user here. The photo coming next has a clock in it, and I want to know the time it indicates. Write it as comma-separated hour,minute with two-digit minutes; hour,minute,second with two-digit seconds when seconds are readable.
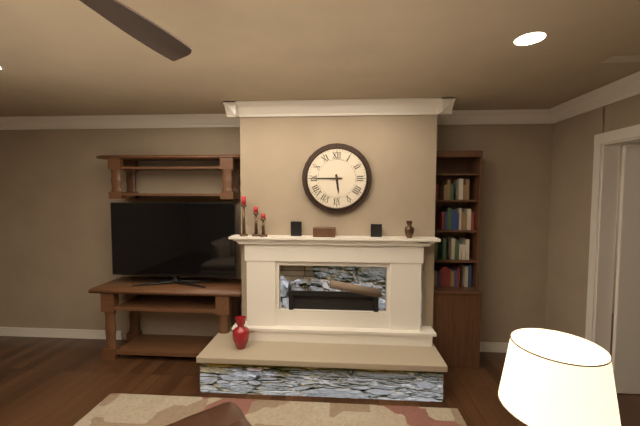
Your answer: 5,45
